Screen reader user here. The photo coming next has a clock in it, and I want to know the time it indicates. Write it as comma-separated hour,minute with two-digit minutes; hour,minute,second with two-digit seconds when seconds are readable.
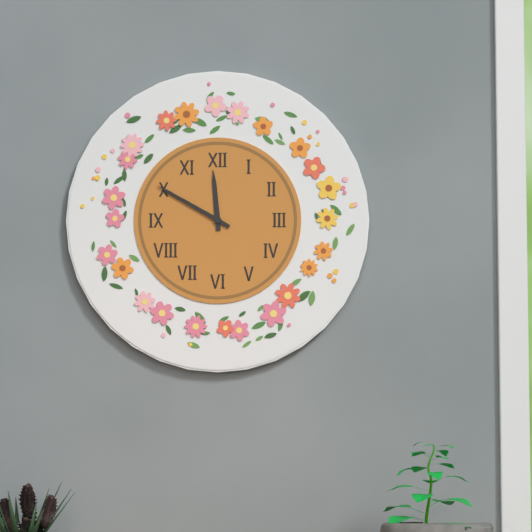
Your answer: 11,50
